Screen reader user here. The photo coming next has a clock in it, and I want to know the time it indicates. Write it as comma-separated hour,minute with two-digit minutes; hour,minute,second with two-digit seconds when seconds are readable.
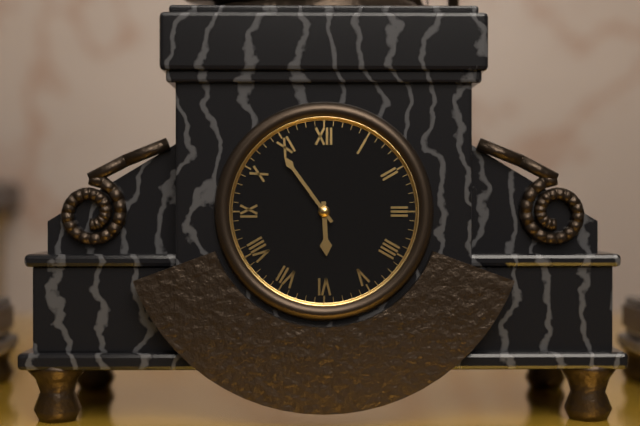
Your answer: 5,54
